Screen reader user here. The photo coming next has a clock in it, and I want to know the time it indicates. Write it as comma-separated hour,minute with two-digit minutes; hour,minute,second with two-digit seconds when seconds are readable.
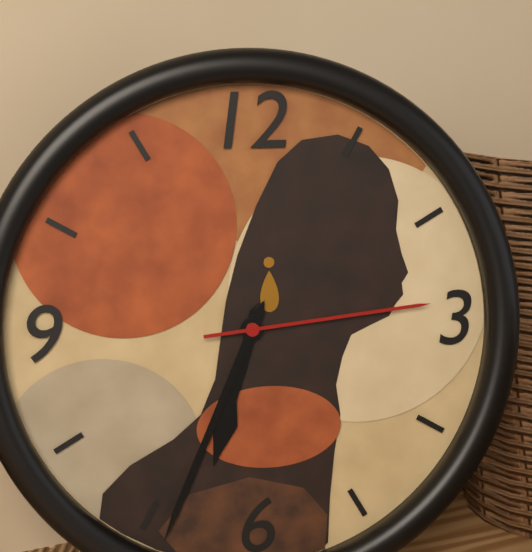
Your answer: 6,34,14
